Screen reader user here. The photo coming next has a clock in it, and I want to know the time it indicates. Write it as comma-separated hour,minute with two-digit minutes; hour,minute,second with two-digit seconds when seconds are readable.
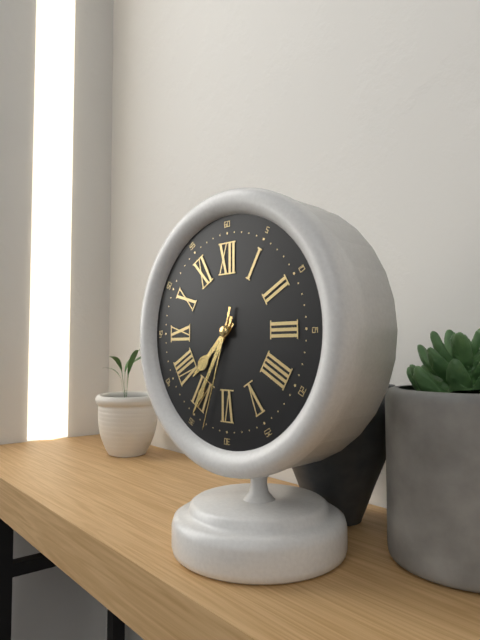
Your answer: 7,35,33
